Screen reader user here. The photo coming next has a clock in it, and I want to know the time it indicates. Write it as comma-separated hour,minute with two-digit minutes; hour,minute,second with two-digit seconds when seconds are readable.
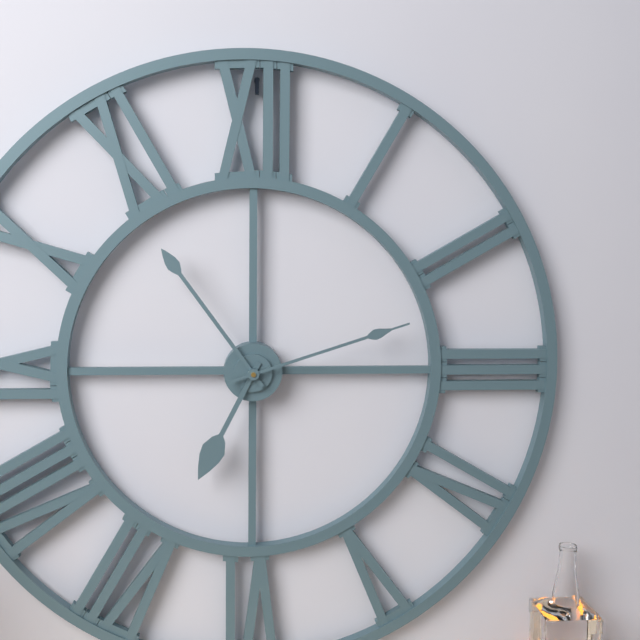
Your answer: 6,54,12
